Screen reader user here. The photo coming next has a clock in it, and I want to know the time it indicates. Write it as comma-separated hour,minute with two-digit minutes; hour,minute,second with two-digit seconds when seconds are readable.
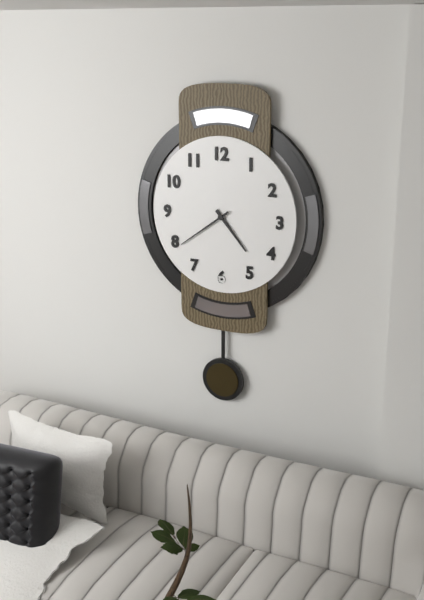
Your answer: 4,39
